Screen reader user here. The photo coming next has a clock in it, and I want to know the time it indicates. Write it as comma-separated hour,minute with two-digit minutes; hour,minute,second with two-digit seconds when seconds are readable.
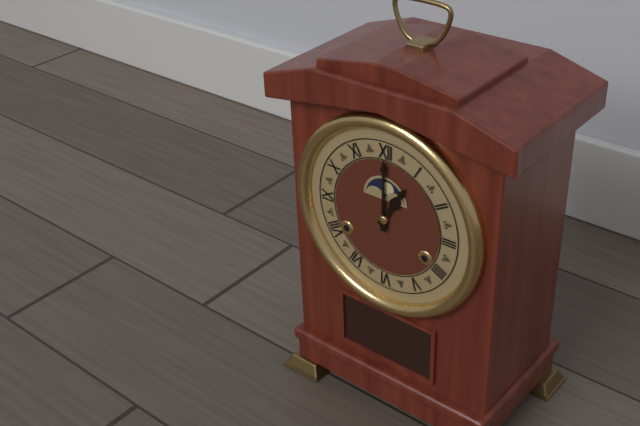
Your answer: 1,00
